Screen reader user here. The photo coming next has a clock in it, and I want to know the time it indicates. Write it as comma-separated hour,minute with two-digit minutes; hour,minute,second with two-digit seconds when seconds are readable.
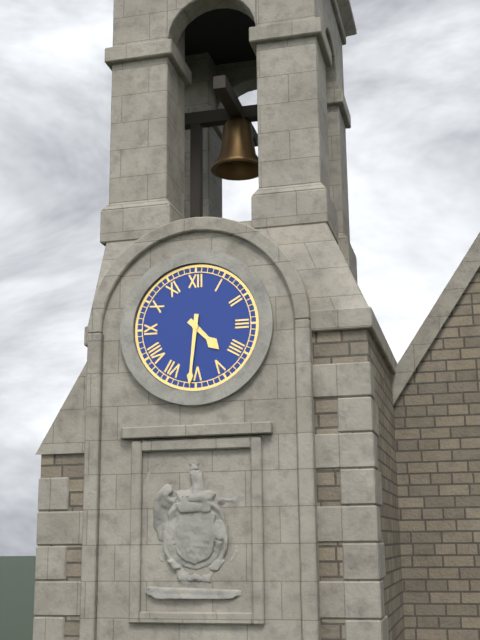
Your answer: 4,31
